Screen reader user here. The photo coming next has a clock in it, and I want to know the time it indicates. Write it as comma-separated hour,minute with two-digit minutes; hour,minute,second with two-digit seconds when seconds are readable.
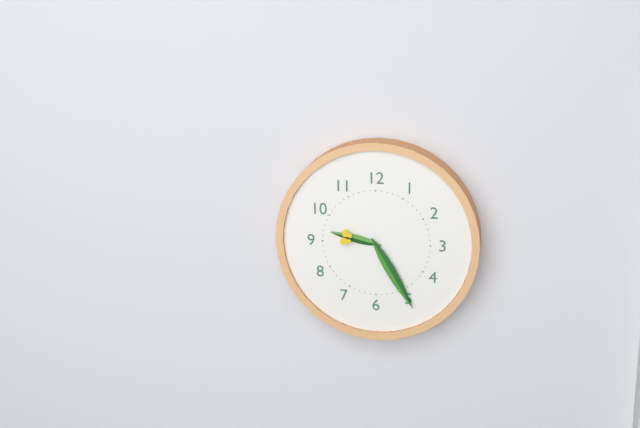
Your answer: 9,25
